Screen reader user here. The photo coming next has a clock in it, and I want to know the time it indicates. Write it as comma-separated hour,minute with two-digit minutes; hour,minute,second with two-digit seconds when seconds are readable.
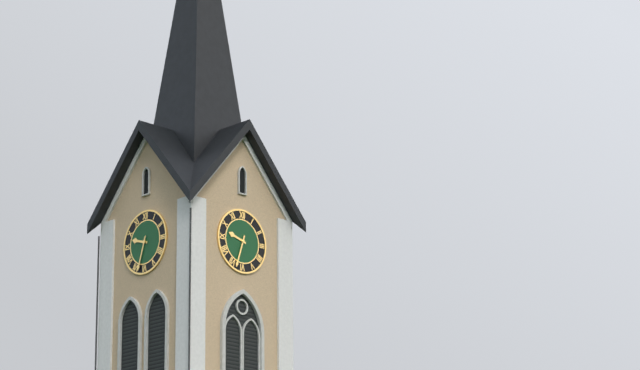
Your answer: 9,33
